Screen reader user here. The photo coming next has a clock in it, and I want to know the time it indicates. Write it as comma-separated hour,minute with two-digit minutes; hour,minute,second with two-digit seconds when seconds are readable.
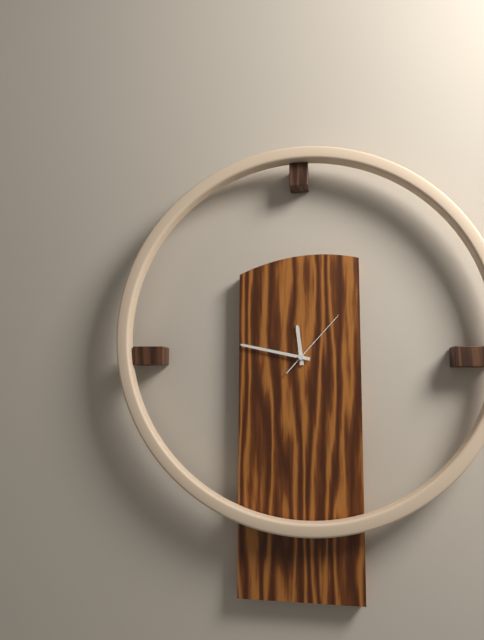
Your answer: 11,47,07
